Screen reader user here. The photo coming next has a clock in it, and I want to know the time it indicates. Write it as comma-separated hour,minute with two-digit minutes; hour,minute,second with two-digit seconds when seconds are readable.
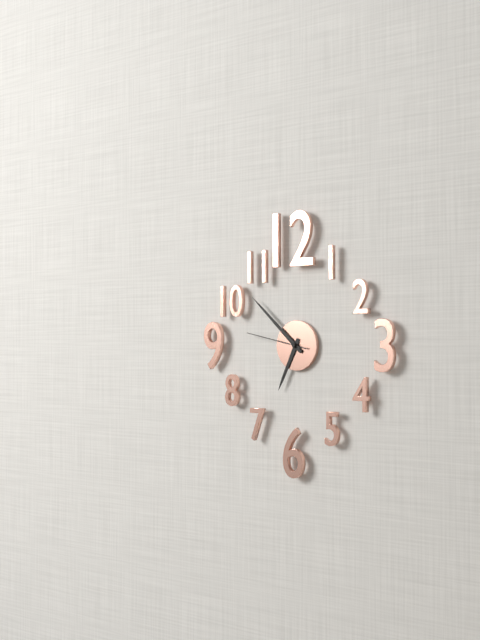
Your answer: 6,52,47
